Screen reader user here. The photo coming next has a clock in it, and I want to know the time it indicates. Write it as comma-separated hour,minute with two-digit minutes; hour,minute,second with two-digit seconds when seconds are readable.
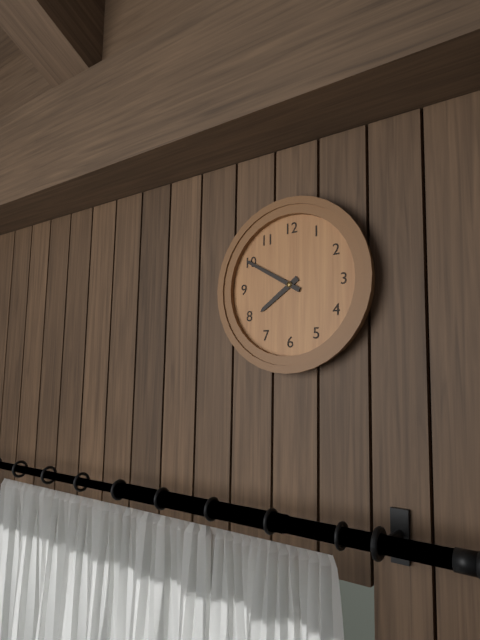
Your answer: 7,50
